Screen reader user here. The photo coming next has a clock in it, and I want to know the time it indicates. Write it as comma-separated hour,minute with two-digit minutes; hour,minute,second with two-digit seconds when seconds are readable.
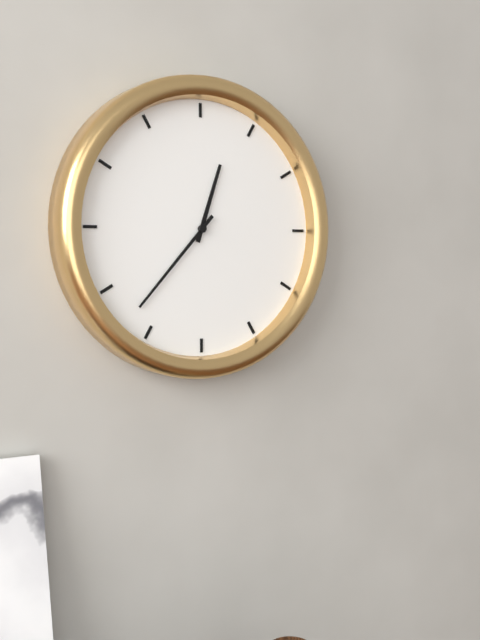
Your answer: 12,37
